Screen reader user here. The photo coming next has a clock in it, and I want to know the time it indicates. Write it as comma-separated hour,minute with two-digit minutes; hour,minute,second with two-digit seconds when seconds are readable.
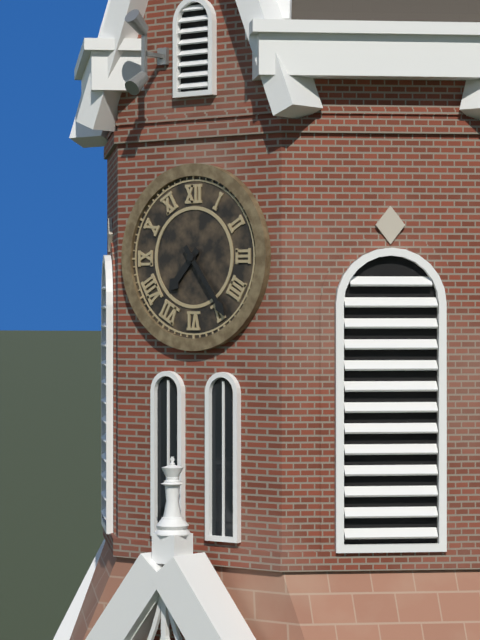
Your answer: 7,24
